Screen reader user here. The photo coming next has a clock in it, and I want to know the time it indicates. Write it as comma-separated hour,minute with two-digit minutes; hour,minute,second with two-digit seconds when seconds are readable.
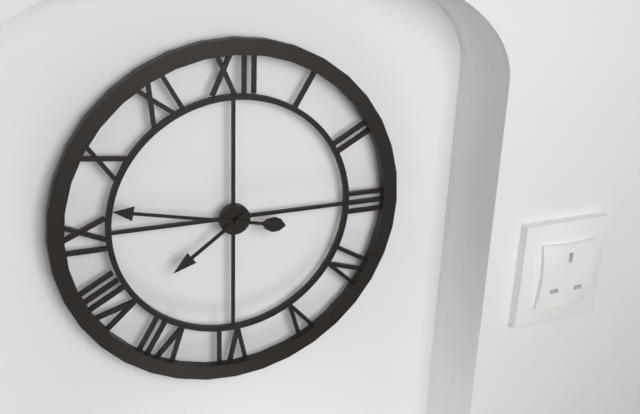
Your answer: 7,47
